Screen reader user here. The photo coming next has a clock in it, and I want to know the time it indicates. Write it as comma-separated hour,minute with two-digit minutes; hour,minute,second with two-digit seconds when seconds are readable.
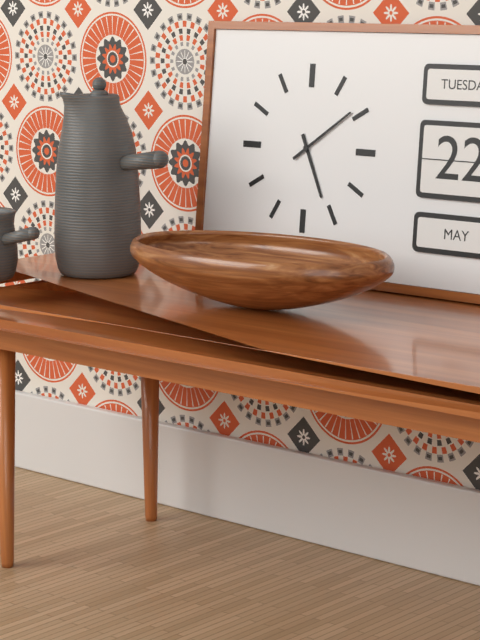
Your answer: 5,09
